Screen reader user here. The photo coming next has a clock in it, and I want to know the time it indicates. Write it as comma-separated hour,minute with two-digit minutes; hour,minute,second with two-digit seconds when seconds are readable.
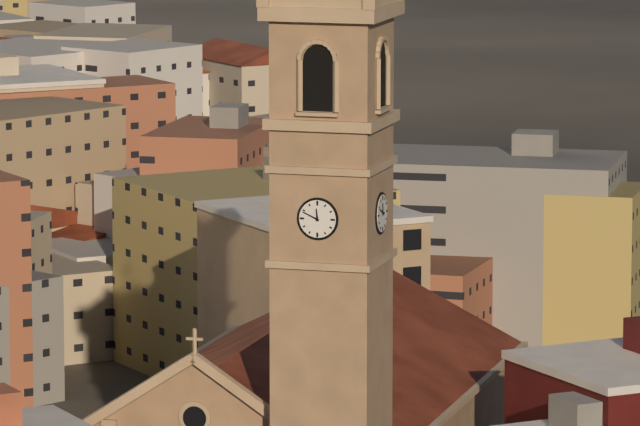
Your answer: 11,49
